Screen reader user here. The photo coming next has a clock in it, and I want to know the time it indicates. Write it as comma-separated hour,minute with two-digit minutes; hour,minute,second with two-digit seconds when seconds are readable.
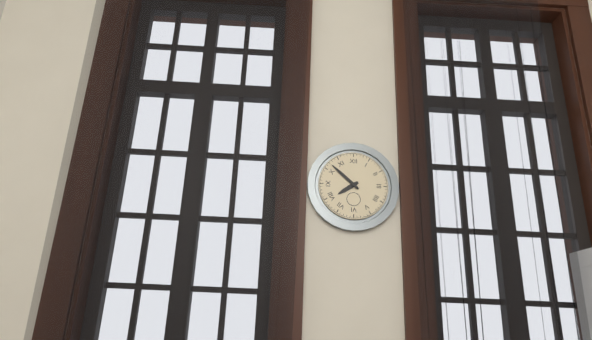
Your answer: 7,52
